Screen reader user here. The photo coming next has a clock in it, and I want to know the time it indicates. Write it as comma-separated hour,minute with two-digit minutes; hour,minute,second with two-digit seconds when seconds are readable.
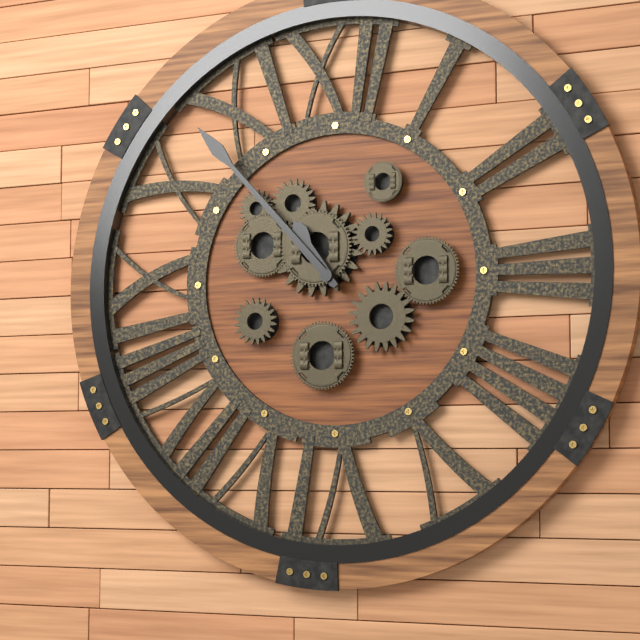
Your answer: 10,53
